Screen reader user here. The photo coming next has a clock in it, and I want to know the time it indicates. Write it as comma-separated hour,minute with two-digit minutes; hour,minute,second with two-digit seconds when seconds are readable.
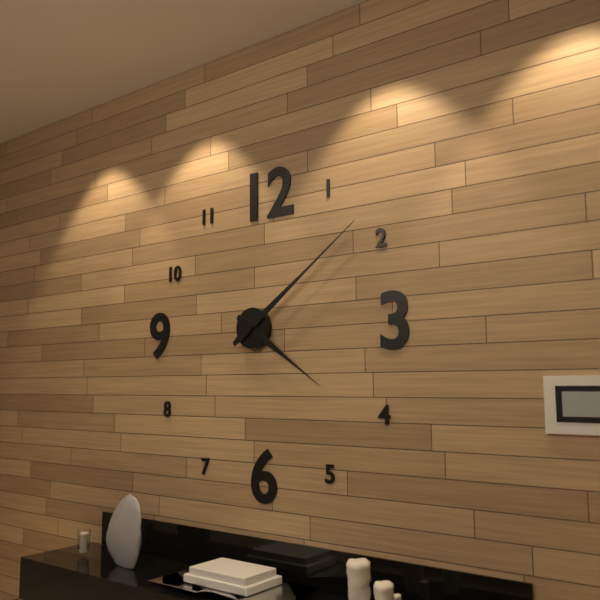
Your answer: 4,09
